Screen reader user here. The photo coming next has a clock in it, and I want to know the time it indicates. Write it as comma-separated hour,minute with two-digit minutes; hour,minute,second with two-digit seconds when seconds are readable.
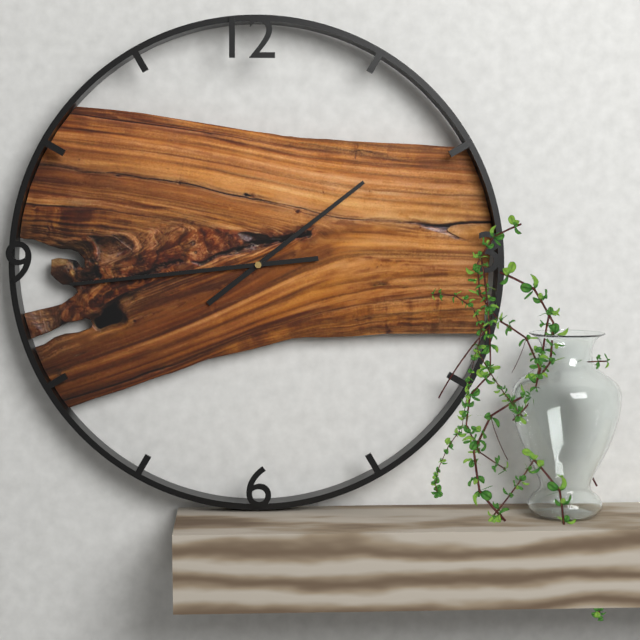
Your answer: 1,44
